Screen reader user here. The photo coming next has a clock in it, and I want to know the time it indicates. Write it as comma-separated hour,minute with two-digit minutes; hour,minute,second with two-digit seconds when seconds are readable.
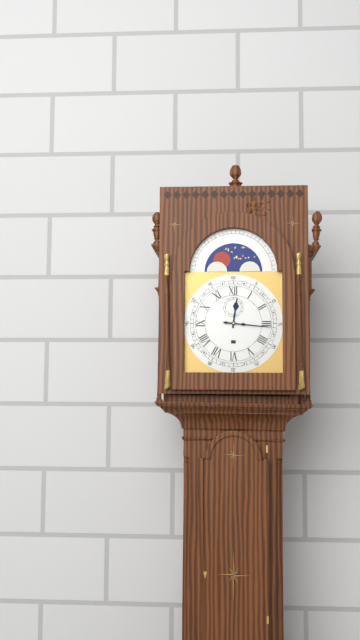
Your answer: 12,16
